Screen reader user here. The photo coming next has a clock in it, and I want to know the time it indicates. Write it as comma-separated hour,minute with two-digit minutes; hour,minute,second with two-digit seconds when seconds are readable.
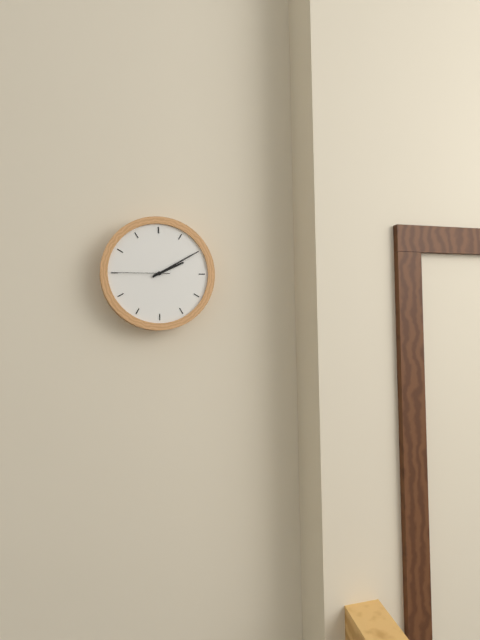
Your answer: 2,10,45
